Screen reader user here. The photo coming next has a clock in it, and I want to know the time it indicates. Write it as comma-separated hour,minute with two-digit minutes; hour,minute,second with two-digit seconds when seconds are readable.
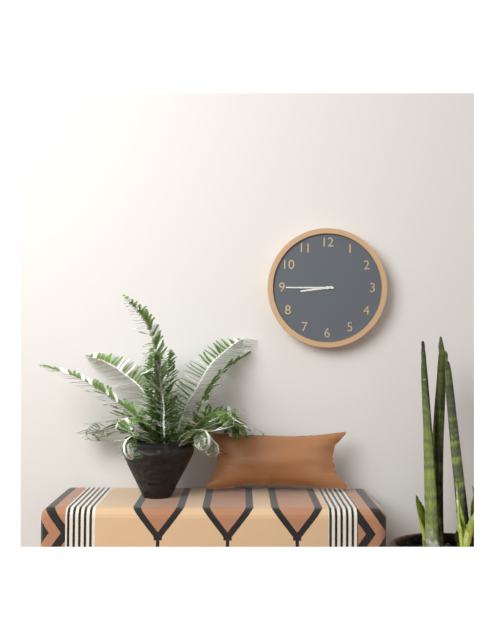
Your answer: 8,45
